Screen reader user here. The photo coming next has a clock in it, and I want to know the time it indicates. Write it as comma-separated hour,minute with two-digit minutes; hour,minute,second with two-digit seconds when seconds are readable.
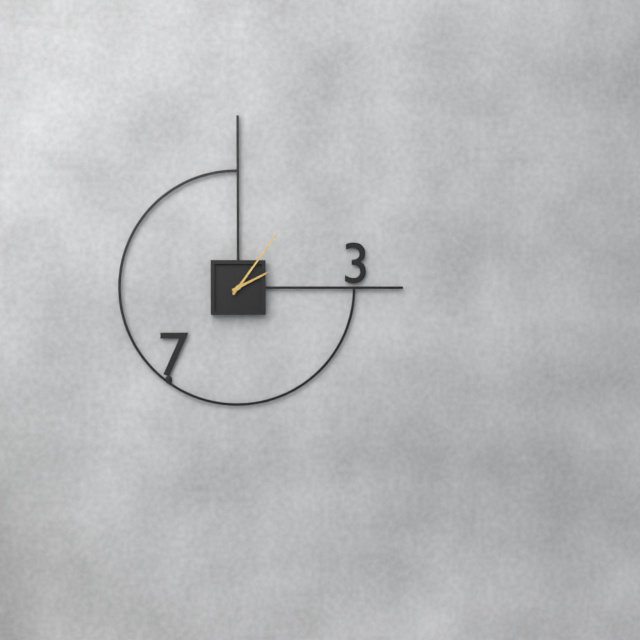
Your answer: 2,06
